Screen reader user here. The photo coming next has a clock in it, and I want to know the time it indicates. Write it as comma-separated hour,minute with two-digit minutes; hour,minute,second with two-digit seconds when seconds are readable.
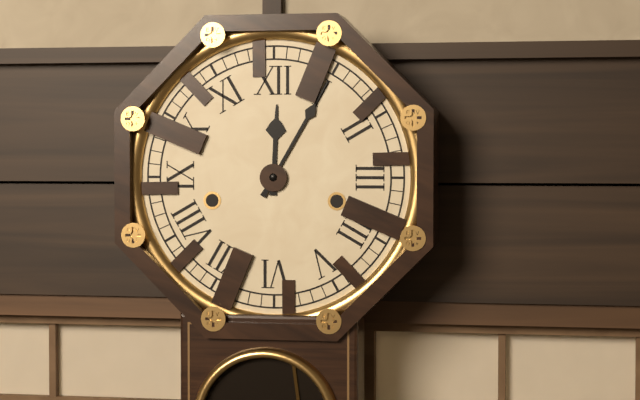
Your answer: 12,05
